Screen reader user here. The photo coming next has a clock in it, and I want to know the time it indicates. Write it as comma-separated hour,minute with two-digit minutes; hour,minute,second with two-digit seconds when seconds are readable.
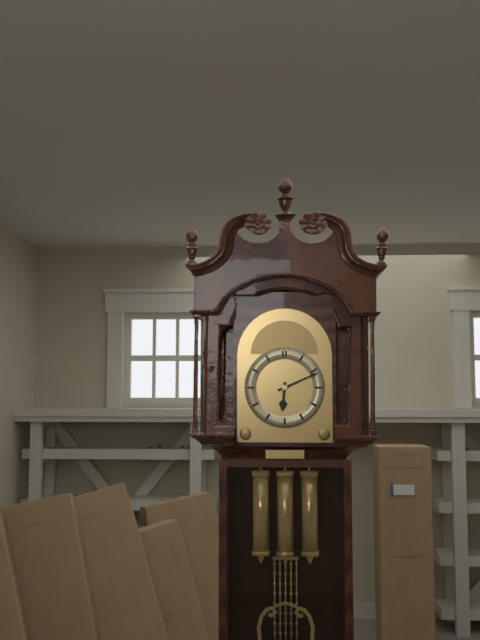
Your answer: 6,11
